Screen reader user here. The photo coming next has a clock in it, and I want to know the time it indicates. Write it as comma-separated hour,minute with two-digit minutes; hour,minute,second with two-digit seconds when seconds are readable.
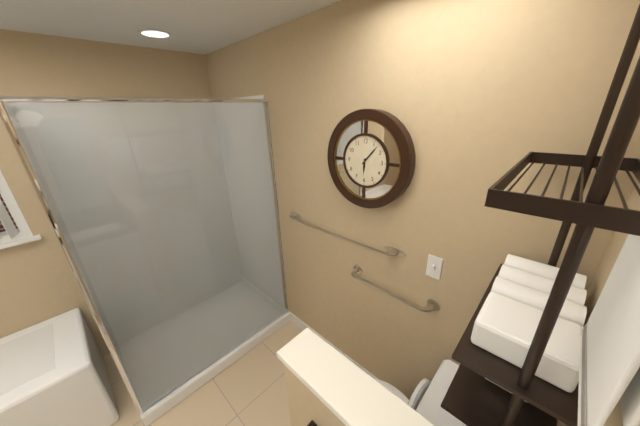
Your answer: 6,07
